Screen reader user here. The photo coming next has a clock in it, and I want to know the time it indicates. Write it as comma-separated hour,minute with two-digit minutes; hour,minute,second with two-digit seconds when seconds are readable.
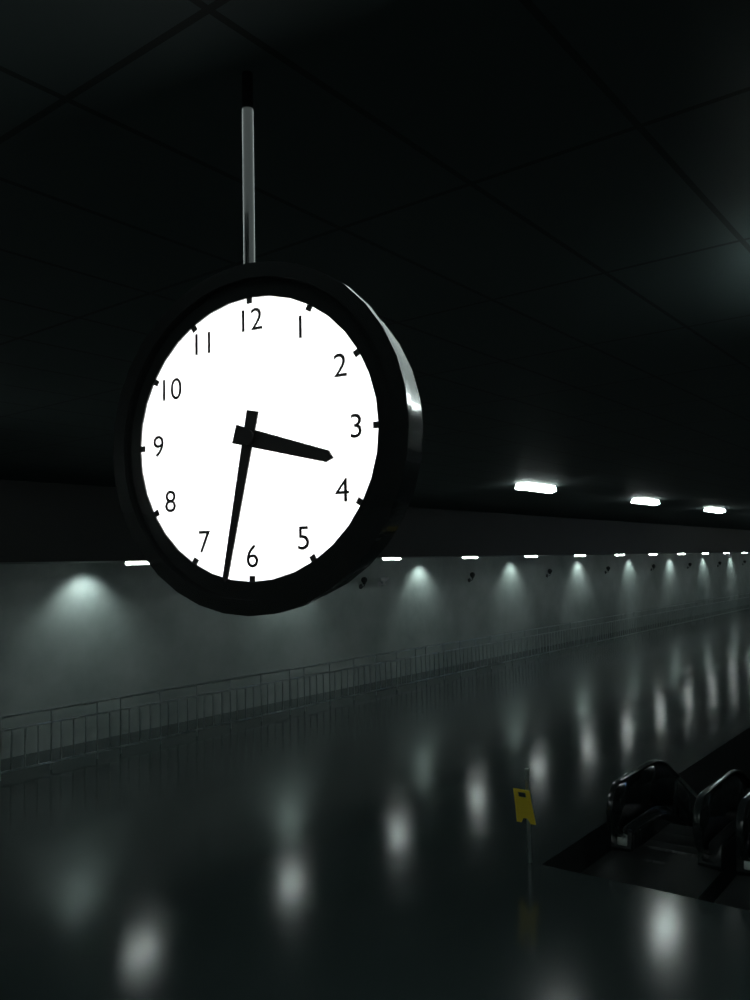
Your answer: 3,32
